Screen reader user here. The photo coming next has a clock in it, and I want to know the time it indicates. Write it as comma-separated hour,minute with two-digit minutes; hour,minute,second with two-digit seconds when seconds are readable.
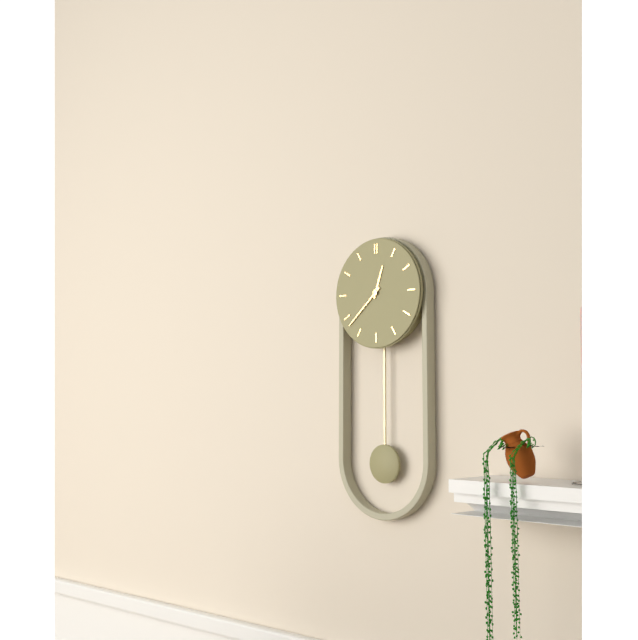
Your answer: 12,38
